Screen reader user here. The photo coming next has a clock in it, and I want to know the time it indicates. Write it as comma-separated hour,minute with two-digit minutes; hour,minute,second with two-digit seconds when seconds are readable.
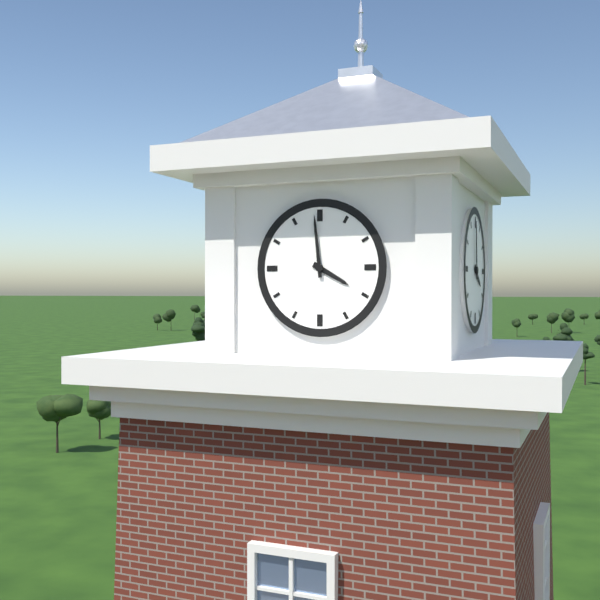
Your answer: 3,59
